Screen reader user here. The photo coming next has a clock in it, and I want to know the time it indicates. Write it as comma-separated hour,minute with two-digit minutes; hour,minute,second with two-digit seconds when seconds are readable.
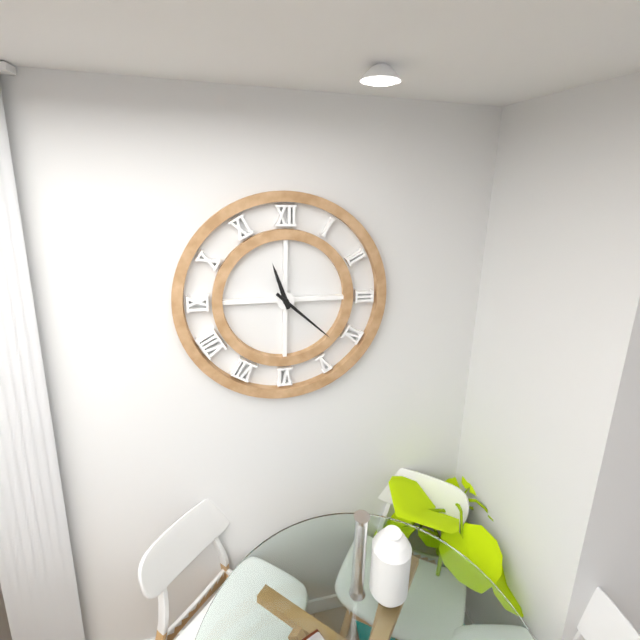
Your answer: 11,22
